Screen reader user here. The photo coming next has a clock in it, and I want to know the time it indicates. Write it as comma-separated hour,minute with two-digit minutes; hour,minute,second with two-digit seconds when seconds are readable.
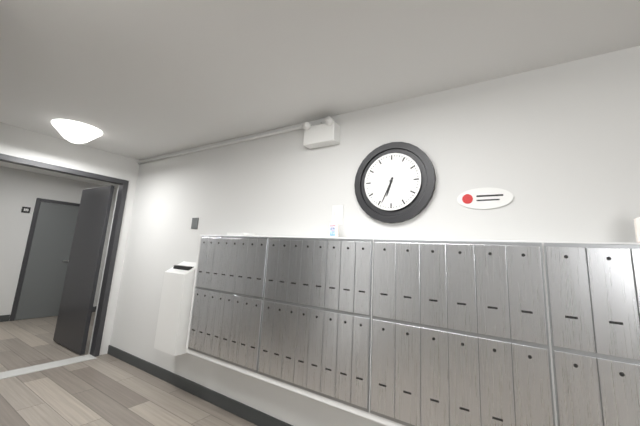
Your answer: 6,34
